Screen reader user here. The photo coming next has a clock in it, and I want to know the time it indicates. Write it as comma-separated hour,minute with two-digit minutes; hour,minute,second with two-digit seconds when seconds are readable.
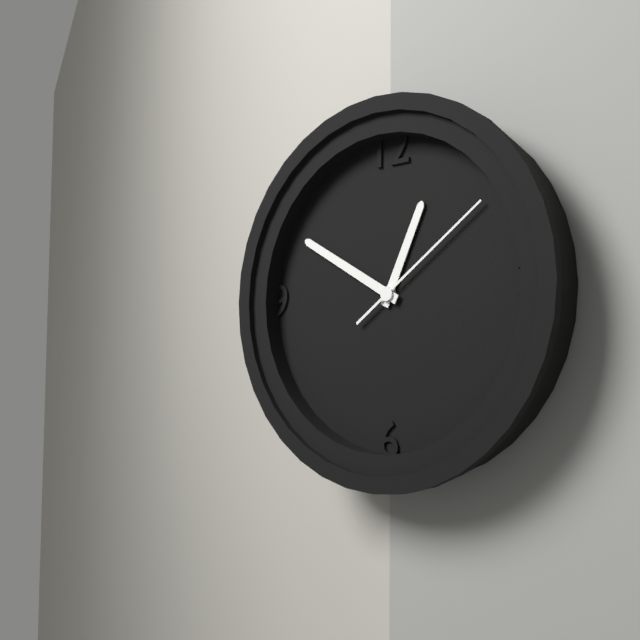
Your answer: 12,50,09
